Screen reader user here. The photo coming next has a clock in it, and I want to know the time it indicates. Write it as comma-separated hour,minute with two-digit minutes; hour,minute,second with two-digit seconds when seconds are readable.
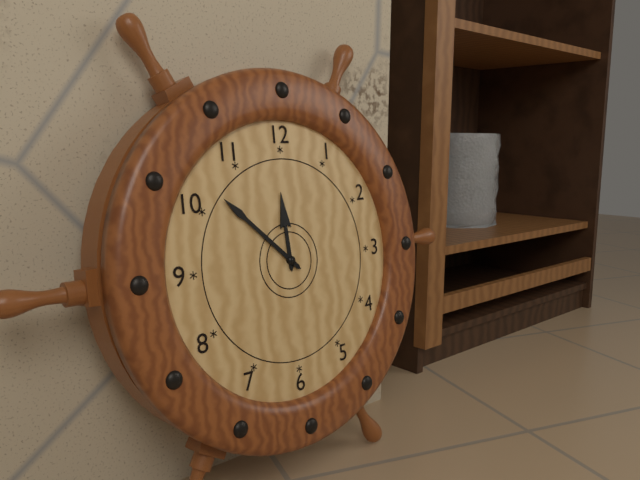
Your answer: 11,52
